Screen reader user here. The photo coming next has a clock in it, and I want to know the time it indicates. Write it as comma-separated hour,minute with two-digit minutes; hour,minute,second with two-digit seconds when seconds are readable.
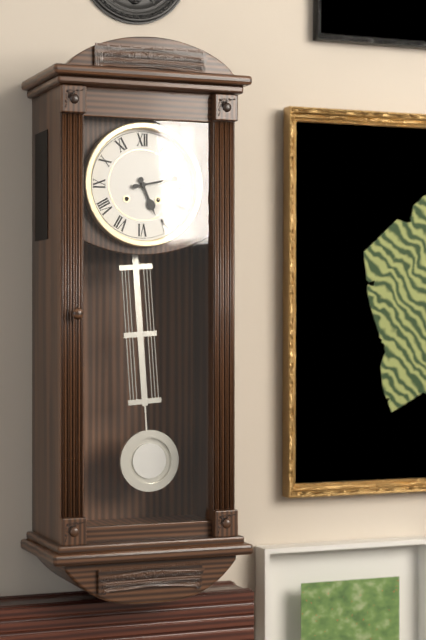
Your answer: 5,13
